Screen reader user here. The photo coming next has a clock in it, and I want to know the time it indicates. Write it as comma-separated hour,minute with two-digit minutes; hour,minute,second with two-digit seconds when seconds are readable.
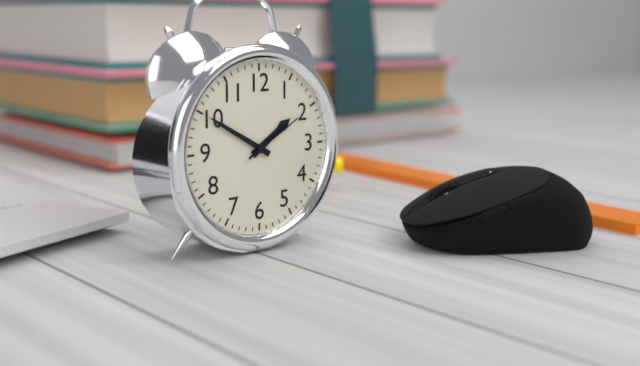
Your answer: 1,50,10
